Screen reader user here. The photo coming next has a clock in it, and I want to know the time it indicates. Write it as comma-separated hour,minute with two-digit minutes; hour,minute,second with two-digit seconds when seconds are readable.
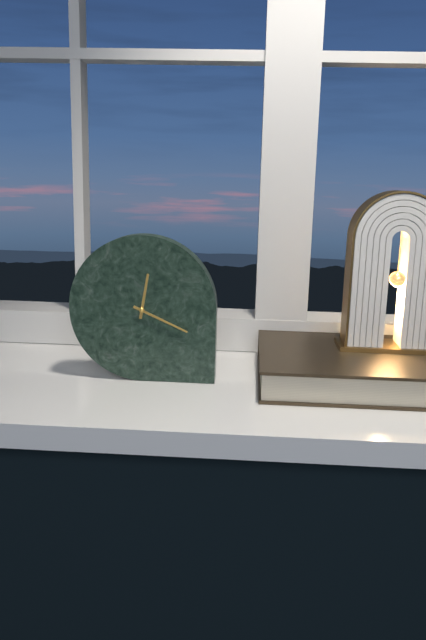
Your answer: 12,19
